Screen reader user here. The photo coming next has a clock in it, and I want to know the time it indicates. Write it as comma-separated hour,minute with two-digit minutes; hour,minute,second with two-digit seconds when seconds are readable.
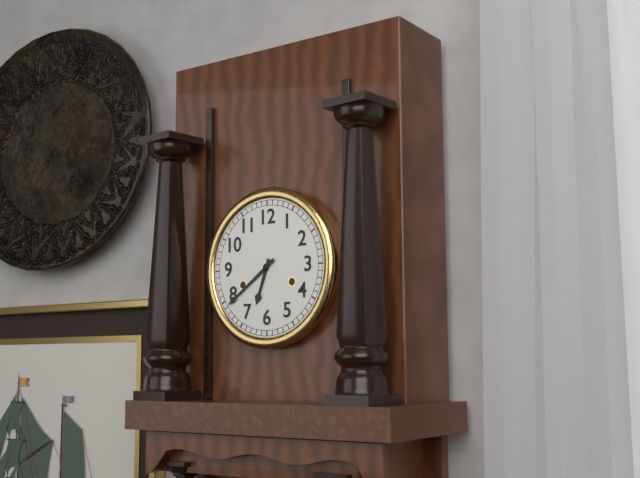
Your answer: 6,39
